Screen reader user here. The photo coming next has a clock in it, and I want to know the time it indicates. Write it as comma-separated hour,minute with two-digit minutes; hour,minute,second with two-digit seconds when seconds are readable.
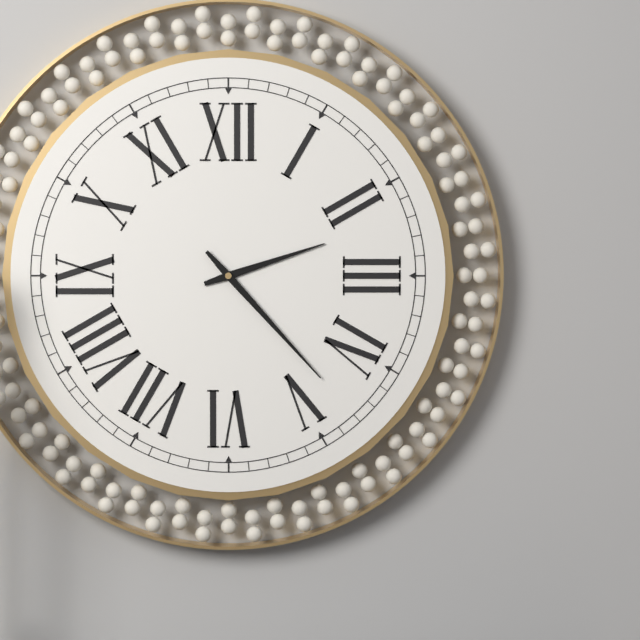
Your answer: 2,23
